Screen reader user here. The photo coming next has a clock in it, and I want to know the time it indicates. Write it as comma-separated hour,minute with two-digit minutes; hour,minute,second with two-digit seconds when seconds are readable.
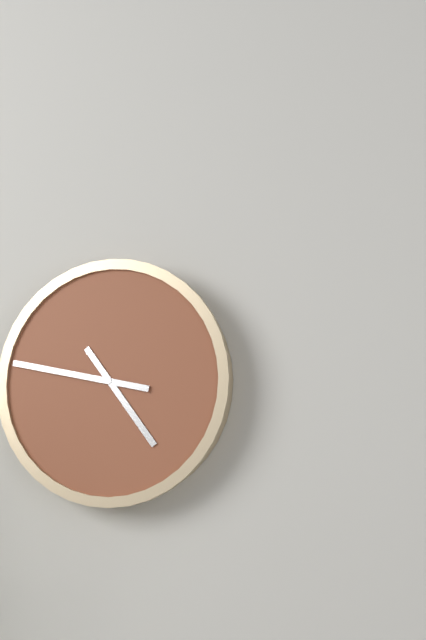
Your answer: 4,47
